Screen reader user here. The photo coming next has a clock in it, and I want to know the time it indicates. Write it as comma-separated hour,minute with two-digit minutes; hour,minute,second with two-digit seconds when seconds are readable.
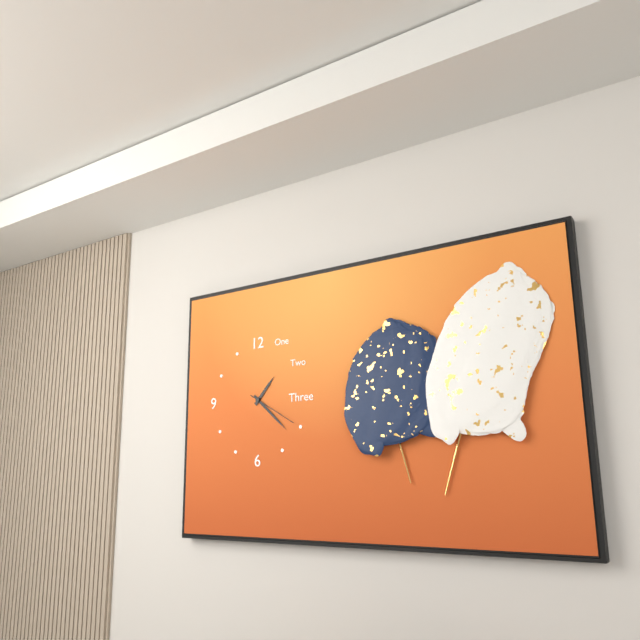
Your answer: 1,22,20
